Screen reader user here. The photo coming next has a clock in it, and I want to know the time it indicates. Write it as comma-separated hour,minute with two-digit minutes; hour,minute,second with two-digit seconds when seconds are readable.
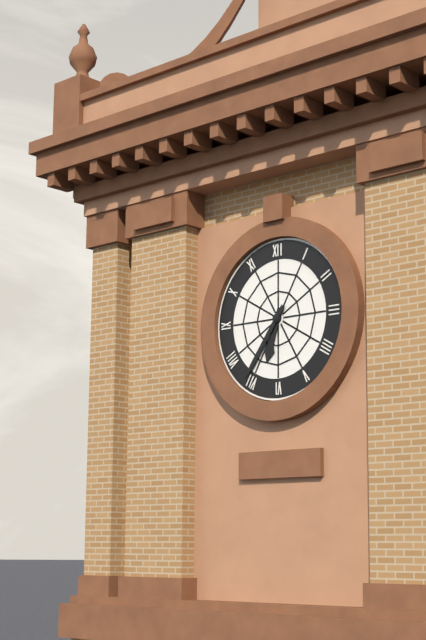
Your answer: 6,36
